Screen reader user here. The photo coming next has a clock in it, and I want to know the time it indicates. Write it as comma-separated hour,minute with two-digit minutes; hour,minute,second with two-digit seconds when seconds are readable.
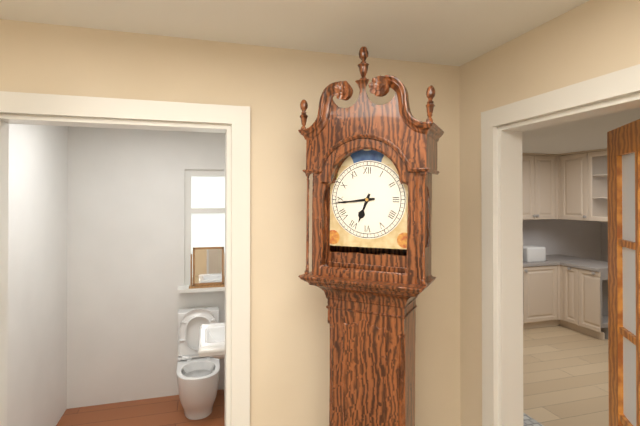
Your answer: 6,44
